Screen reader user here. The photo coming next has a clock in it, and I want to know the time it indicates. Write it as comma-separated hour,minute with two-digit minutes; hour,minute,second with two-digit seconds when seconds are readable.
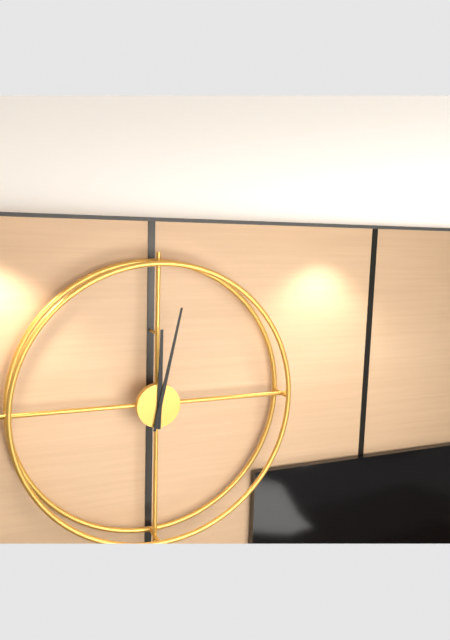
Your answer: 12,02
